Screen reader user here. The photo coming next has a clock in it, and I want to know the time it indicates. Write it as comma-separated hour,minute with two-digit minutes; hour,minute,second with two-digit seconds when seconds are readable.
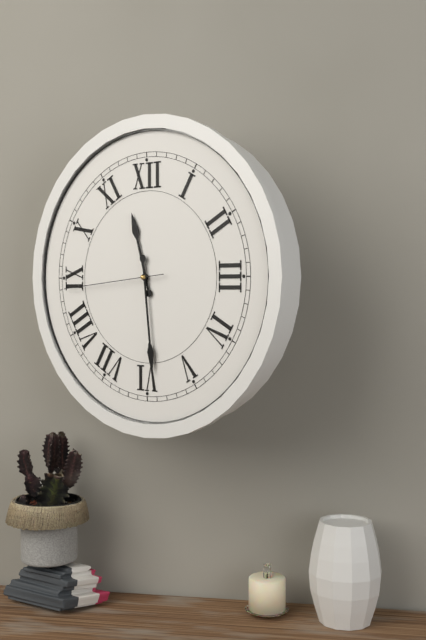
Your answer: 11,29,44
